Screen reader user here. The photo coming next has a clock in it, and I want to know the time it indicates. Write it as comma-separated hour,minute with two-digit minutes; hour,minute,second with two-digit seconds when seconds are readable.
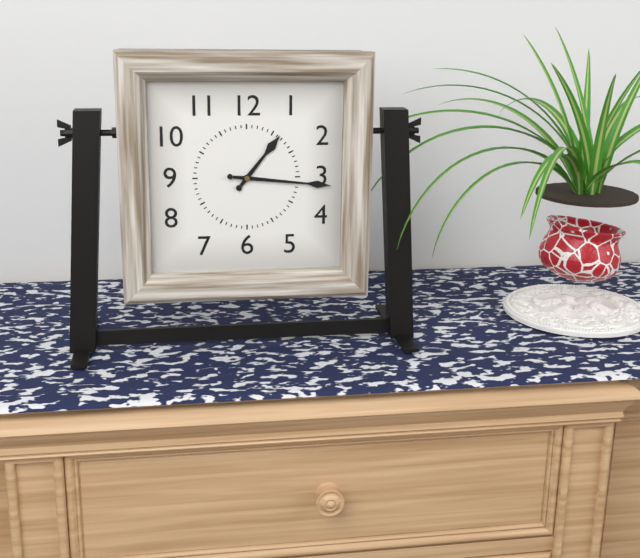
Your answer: 1,16
